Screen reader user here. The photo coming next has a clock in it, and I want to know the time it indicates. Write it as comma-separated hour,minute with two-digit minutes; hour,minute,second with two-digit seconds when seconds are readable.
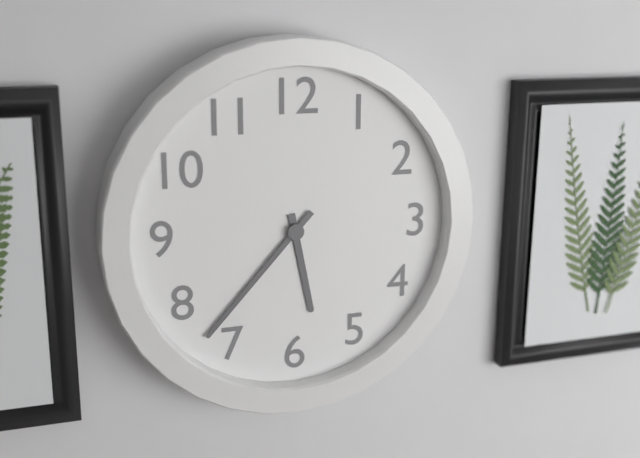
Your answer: 5,37
